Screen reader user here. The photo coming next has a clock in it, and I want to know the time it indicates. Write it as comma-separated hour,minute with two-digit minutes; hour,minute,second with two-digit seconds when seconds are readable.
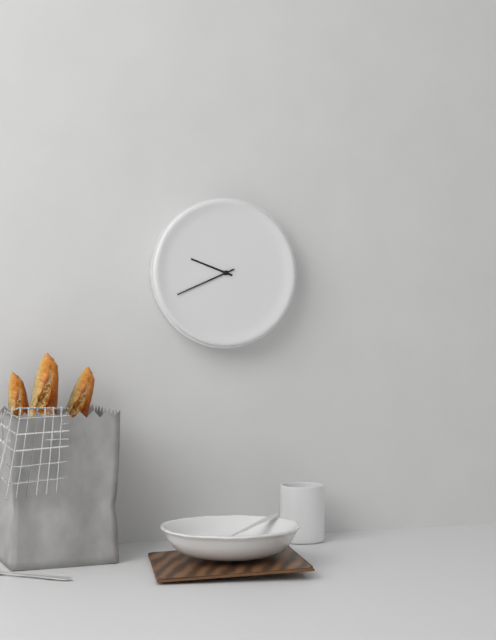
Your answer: 9,41
